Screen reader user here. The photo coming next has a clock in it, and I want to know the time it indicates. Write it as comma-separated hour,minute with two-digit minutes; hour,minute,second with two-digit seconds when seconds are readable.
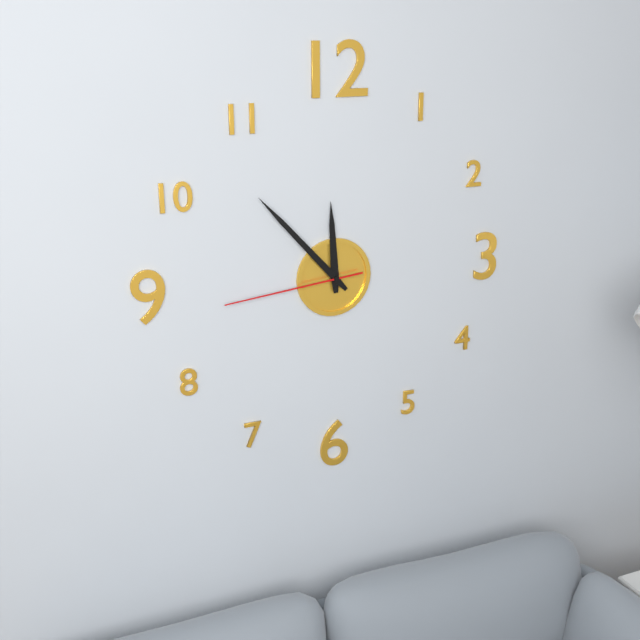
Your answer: 11,53,44
